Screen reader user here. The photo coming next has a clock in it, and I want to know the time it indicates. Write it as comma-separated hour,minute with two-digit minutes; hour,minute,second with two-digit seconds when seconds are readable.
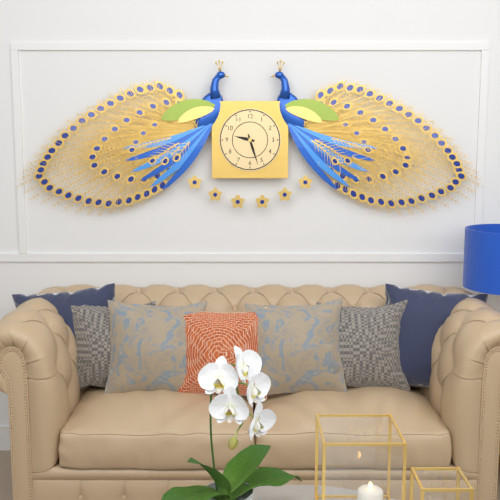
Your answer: 9,27
